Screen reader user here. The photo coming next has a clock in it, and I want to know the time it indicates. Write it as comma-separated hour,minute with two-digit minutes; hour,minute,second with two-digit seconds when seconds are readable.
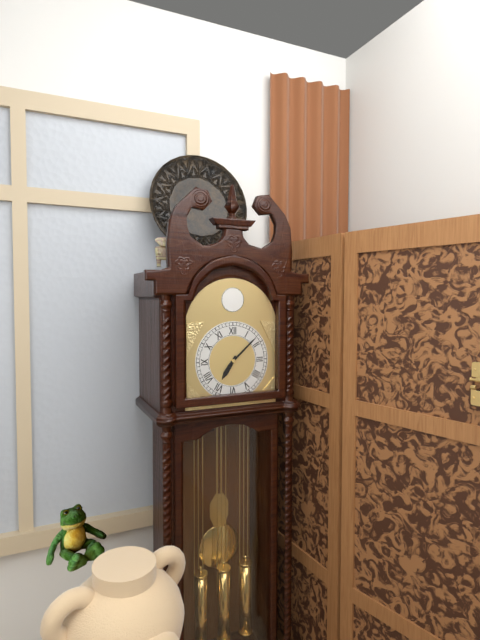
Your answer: 7,08
